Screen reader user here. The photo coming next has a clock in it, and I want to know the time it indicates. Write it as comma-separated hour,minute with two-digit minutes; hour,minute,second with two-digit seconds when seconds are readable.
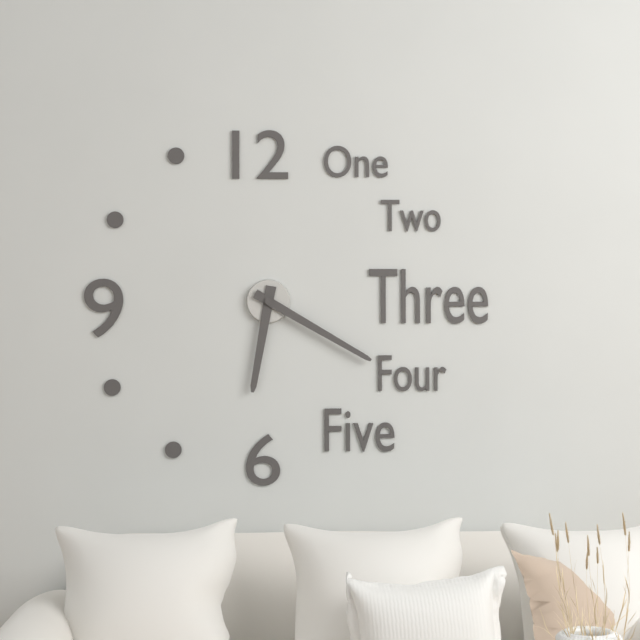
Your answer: 6,20
